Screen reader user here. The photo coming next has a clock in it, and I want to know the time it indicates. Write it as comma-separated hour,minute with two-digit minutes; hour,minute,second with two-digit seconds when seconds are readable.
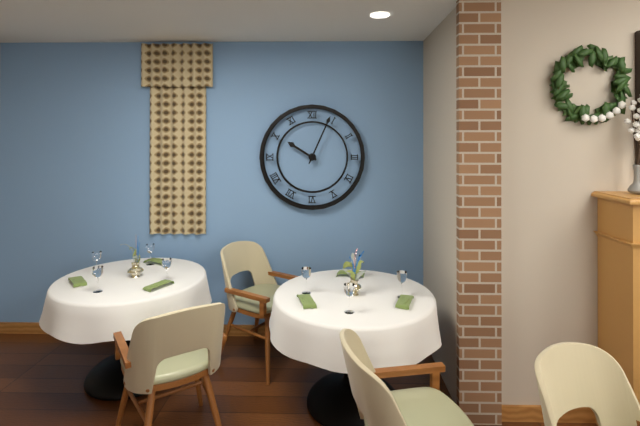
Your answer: 10,04
